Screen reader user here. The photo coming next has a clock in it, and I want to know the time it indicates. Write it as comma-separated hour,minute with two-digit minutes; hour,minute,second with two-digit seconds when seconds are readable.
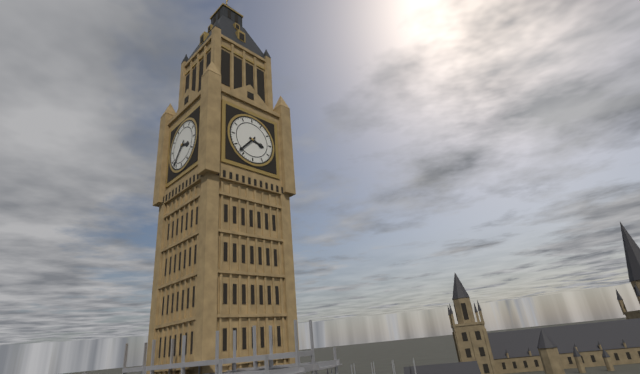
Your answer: 3,37
